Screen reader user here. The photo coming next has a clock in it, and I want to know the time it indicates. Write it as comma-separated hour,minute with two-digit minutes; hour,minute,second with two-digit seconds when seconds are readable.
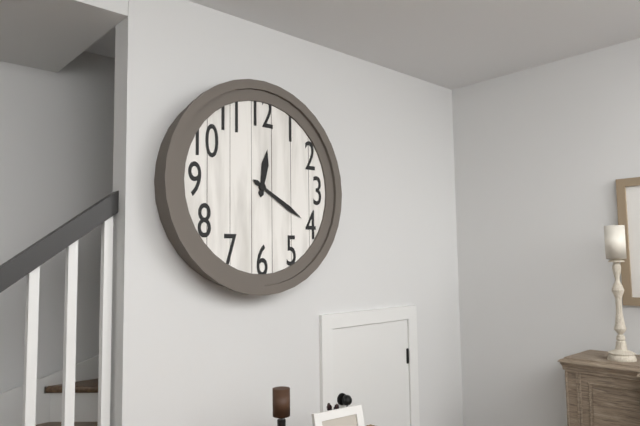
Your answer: 12,20
